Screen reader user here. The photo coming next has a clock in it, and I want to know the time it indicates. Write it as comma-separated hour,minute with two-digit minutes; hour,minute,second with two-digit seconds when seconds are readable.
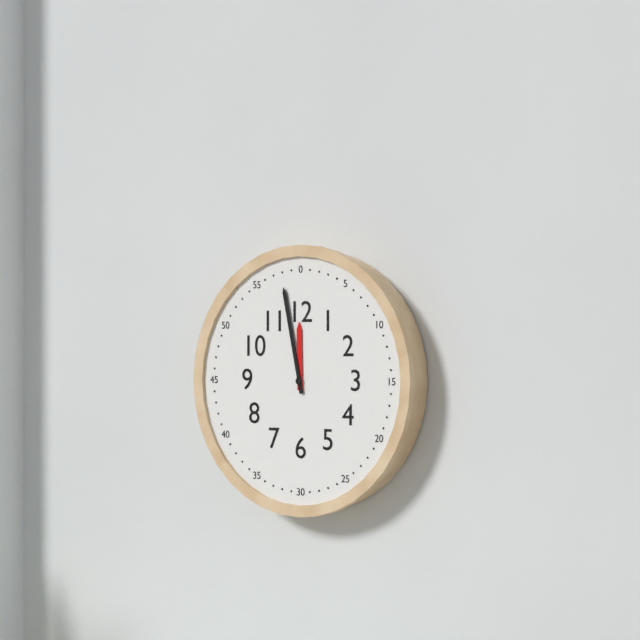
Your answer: 11,58
